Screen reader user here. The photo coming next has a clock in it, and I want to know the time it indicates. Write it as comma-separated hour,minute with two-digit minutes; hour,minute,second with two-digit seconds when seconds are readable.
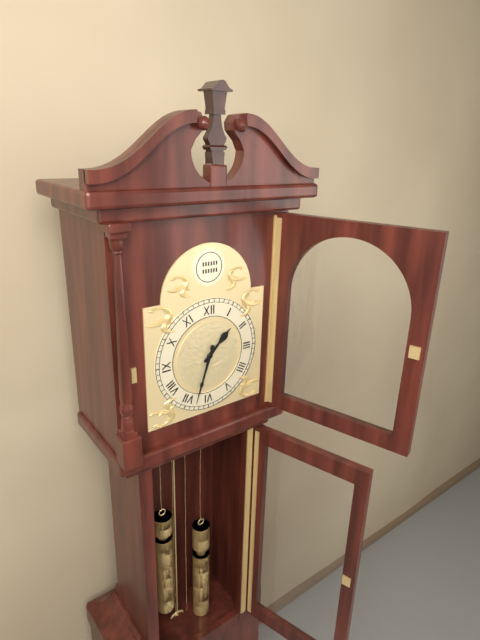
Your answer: 1,33
